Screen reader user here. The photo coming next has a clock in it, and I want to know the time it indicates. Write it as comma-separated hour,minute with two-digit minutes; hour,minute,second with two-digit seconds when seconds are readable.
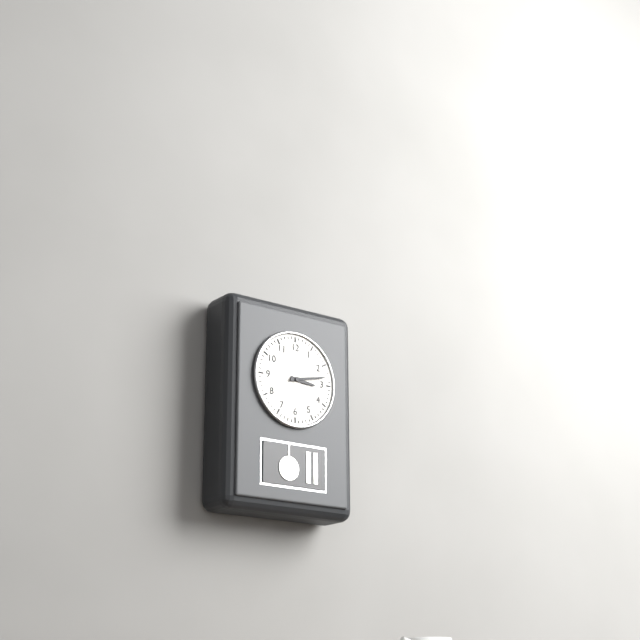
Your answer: 3,13
